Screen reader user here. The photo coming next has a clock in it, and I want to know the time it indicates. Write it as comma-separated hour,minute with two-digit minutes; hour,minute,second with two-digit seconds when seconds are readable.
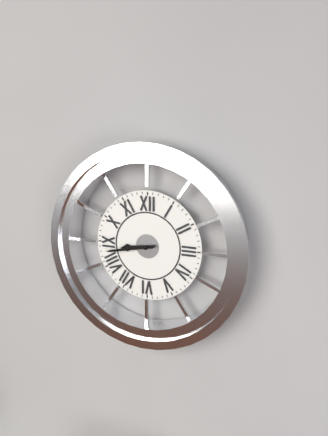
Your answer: 8,43
